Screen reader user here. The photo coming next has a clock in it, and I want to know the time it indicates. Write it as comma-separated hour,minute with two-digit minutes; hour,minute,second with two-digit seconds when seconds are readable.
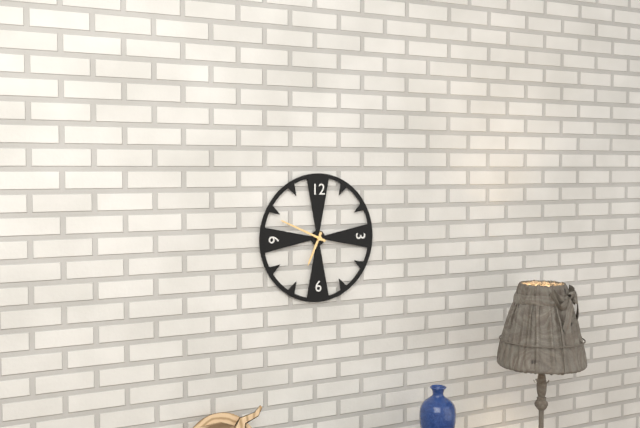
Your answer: 6,49
